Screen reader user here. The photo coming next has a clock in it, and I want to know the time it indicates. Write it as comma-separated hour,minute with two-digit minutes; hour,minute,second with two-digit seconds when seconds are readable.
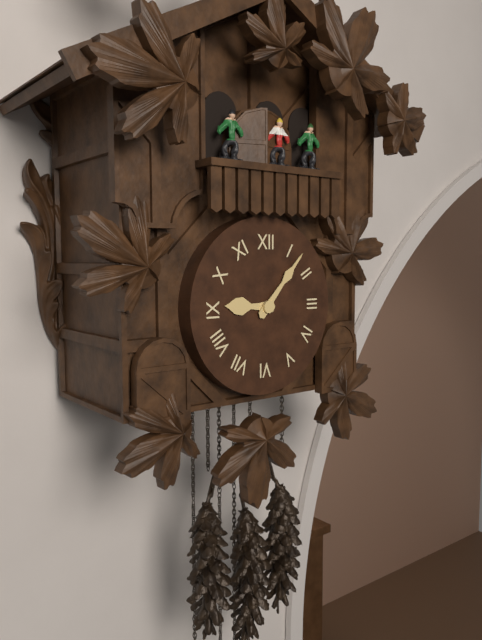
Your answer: 9,07
